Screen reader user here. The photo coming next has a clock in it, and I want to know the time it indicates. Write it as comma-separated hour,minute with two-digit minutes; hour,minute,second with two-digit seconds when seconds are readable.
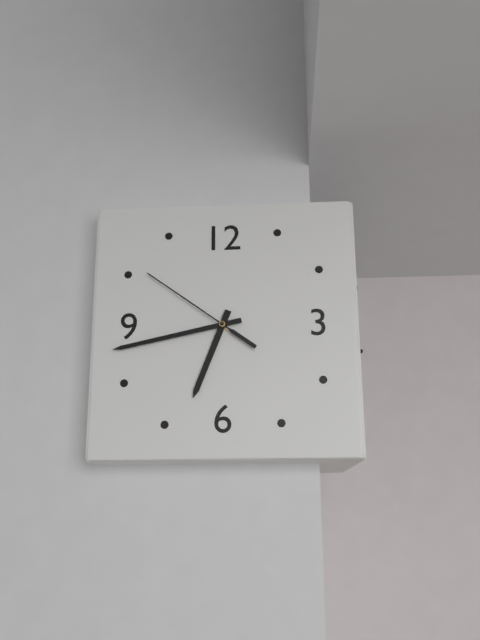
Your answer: 6,43,51
